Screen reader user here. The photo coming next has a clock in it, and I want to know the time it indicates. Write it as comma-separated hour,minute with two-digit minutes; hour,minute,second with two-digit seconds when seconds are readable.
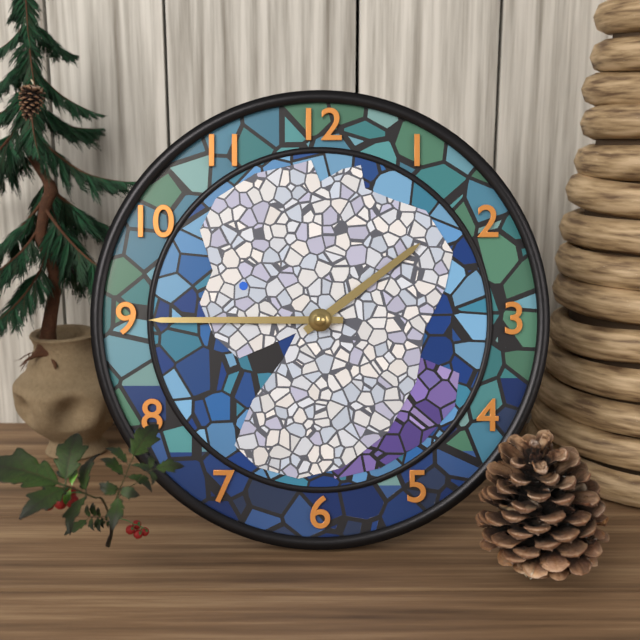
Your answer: 1,45
